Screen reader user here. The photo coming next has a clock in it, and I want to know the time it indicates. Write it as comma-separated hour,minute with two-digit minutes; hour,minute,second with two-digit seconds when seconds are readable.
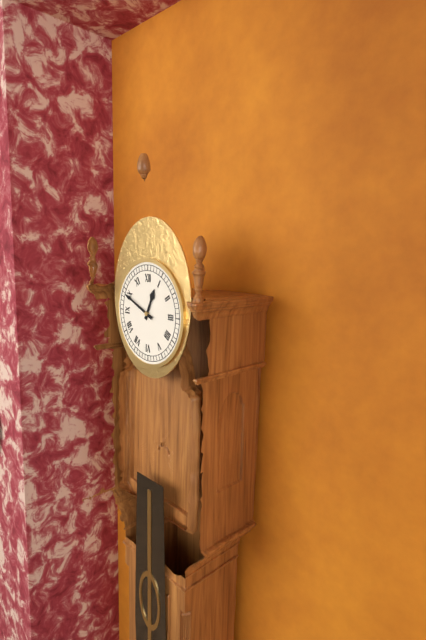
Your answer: 12,49
